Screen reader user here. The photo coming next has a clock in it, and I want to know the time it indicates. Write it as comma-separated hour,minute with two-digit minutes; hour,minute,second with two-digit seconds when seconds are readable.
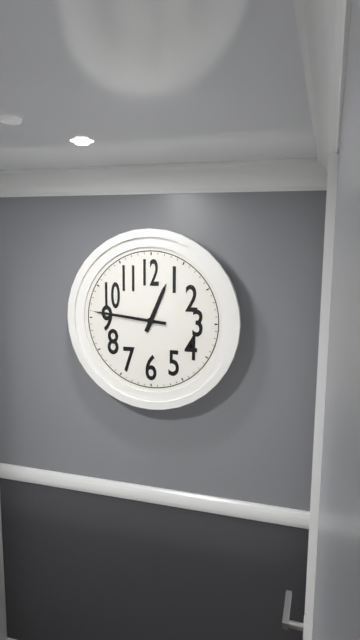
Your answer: 12,46
